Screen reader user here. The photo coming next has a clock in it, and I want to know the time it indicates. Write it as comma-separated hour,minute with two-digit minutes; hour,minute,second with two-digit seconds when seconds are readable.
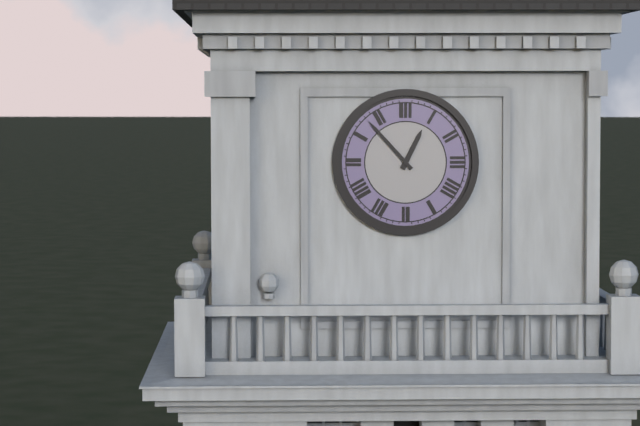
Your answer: 12,53
